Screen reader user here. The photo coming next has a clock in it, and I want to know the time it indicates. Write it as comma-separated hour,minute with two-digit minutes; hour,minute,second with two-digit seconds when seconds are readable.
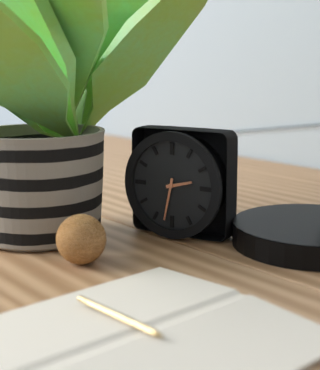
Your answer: 2,32
